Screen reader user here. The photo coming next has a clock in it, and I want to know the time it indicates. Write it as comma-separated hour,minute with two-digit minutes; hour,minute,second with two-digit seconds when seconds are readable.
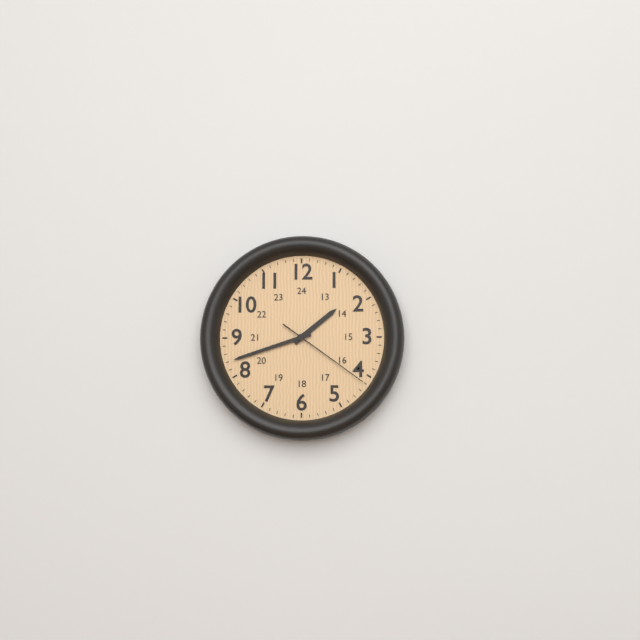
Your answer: 1,42,21
